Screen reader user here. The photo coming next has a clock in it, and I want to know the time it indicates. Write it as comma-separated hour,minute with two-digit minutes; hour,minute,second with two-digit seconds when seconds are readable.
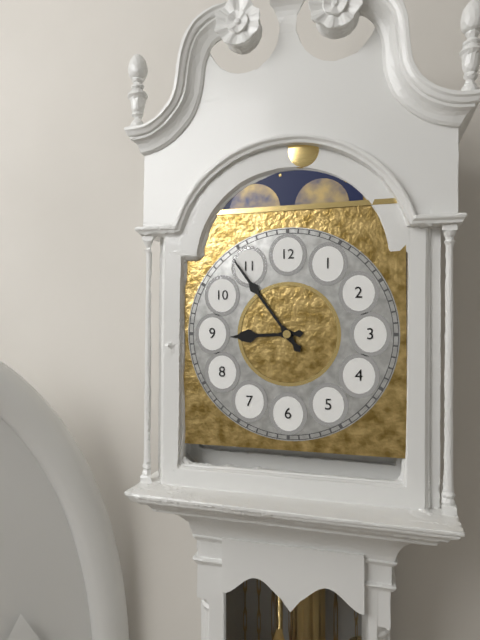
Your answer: 8,54
